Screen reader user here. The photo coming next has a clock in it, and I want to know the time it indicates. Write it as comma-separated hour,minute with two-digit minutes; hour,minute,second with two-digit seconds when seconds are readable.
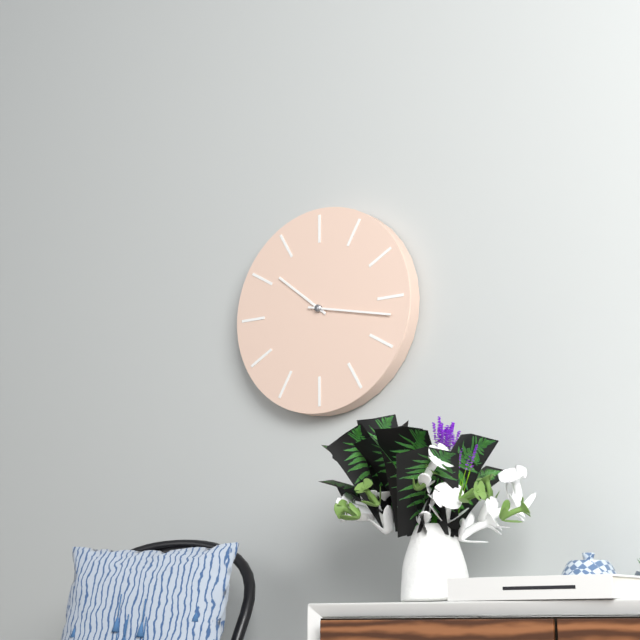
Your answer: 10,17
